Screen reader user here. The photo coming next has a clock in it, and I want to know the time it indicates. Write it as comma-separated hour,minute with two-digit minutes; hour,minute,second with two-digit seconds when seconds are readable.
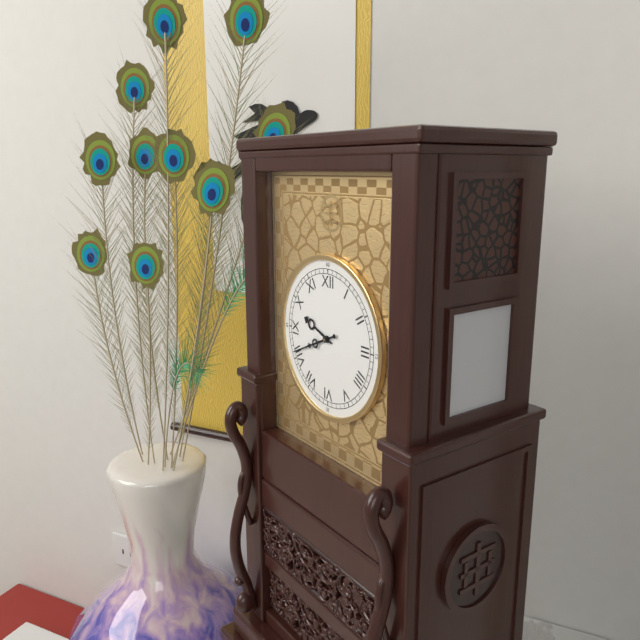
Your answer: 9,41
